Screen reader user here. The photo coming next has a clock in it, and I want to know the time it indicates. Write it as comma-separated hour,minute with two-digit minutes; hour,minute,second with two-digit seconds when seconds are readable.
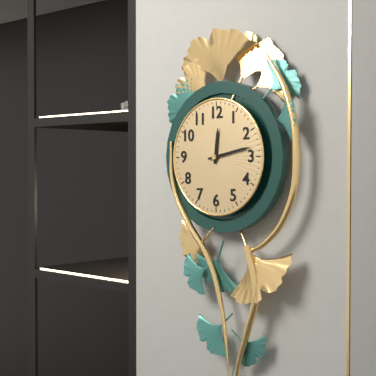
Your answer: 12,13
